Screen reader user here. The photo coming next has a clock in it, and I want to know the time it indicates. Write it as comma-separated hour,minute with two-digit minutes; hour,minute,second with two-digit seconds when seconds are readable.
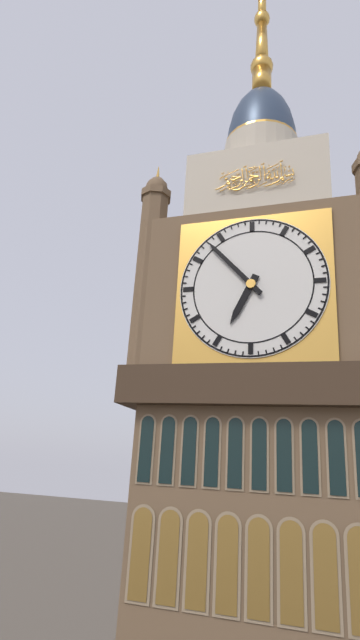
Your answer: 6,53
